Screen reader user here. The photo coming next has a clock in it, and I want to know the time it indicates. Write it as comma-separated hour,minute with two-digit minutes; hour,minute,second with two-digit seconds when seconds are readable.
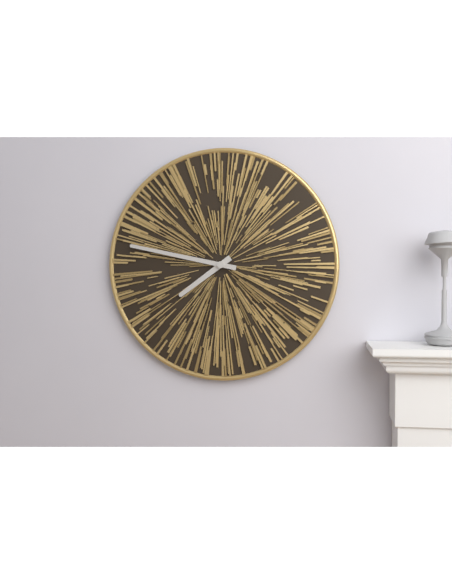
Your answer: 7,47
